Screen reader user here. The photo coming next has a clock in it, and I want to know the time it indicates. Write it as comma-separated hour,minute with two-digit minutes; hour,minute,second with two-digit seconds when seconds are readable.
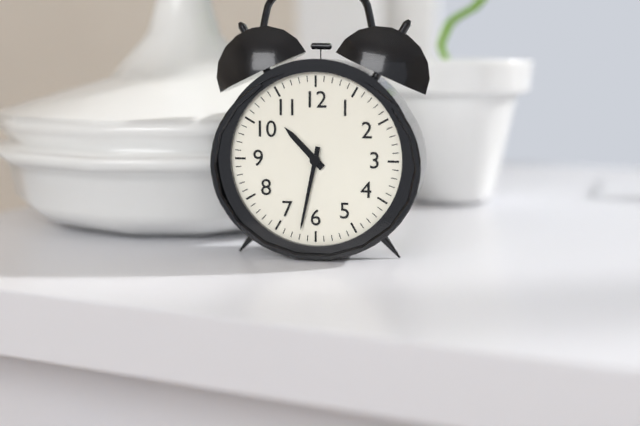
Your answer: 10,32
